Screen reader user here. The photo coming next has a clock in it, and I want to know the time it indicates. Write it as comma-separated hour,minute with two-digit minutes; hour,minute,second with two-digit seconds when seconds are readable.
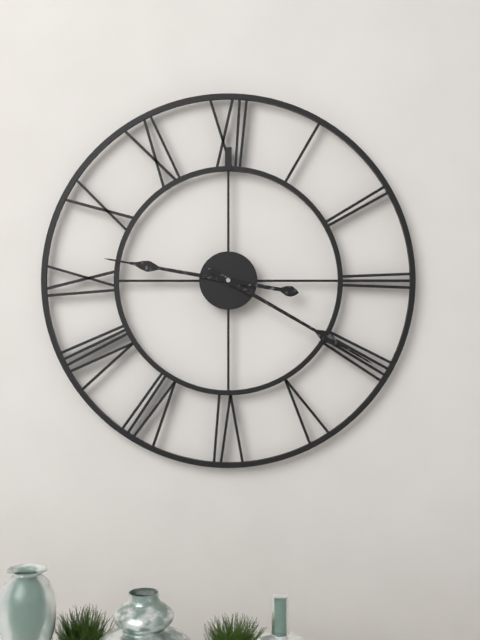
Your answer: 9,20
